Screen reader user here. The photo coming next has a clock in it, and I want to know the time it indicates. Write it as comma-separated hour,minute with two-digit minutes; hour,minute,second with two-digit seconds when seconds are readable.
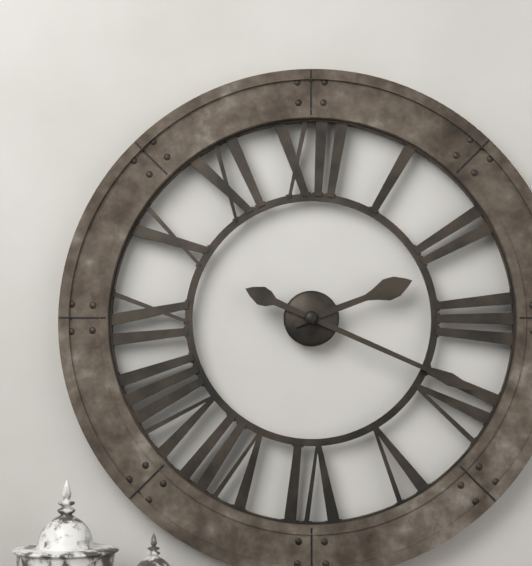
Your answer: 2,19
